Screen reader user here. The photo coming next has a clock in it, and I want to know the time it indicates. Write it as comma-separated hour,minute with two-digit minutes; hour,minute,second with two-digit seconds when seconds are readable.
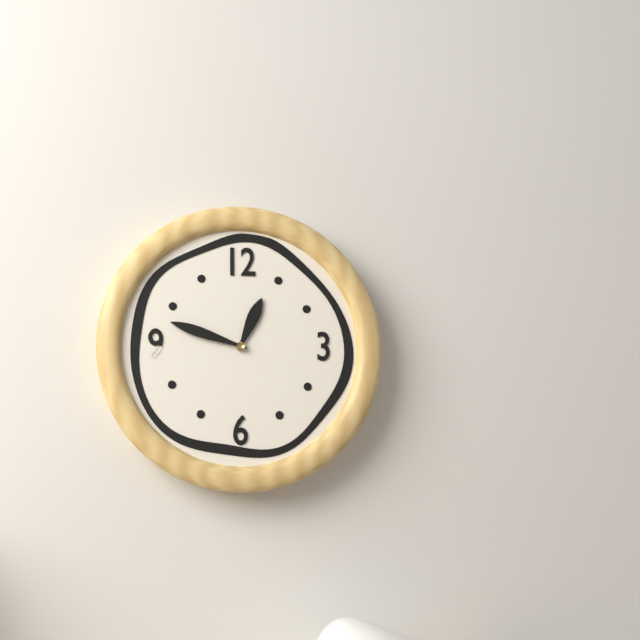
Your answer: 12,48
